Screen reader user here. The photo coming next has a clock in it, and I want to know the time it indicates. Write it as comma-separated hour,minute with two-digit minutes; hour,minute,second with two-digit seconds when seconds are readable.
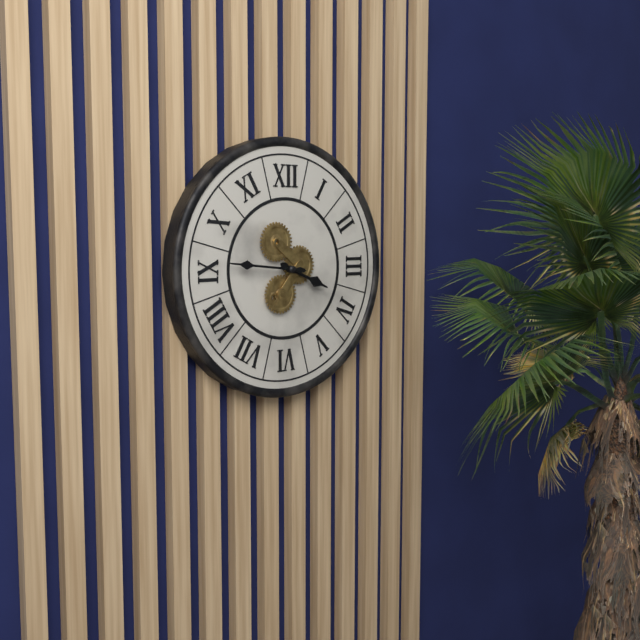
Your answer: 3,46
